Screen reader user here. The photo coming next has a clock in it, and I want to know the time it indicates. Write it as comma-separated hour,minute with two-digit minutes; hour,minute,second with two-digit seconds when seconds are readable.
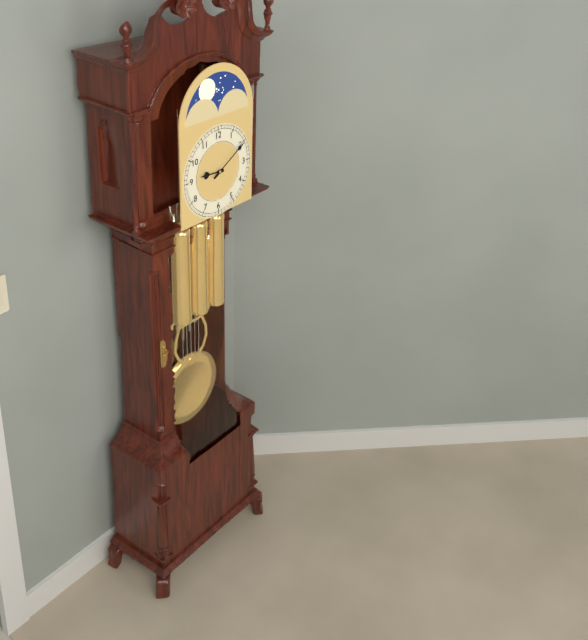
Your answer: 9,10
